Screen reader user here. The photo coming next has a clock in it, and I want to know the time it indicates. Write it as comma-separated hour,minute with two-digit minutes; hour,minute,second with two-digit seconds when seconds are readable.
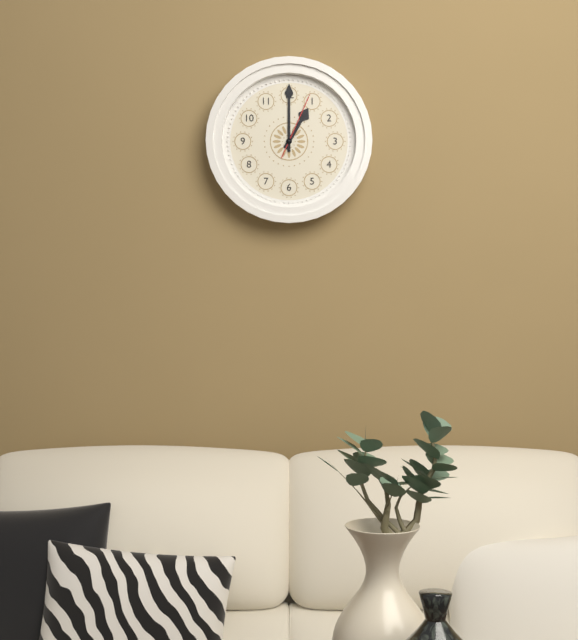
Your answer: 1,00,04
